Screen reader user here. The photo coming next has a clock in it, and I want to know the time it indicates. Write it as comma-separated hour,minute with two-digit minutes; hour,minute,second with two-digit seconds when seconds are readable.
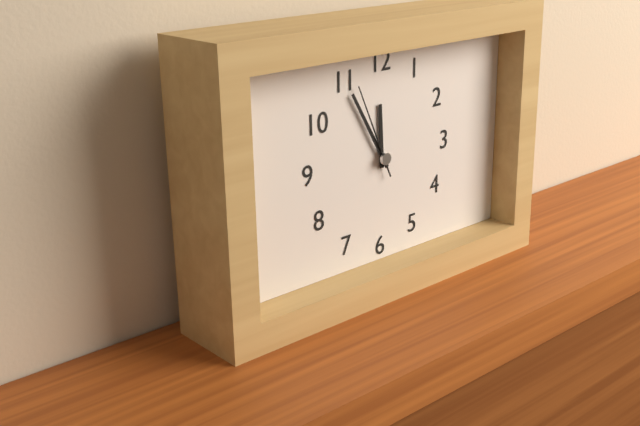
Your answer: 11,55,56
